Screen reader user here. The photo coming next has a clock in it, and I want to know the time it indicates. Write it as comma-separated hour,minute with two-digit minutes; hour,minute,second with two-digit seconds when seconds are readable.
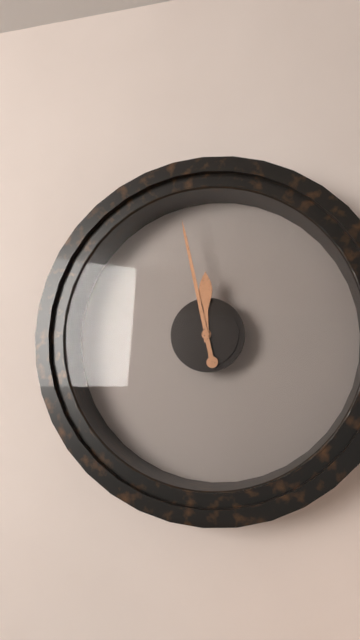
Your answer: 11,58
